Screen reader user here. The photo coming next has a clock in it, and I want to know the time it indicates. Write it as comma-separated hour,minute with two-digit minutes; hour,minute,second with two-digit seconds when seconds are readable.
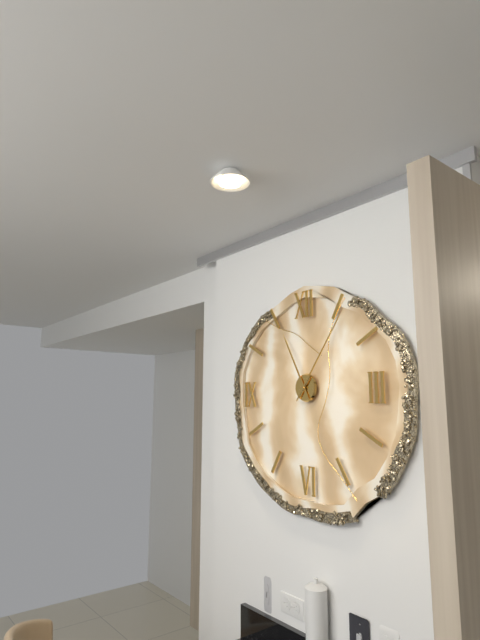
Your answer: 11,06
